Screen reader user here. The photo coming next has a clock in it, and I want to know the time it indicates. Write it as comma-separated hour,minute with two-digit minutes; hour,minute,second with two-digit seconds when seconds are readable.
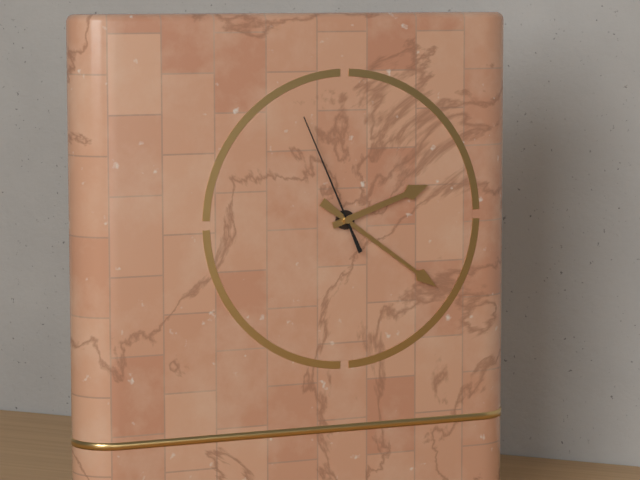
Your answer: 2,21,56
